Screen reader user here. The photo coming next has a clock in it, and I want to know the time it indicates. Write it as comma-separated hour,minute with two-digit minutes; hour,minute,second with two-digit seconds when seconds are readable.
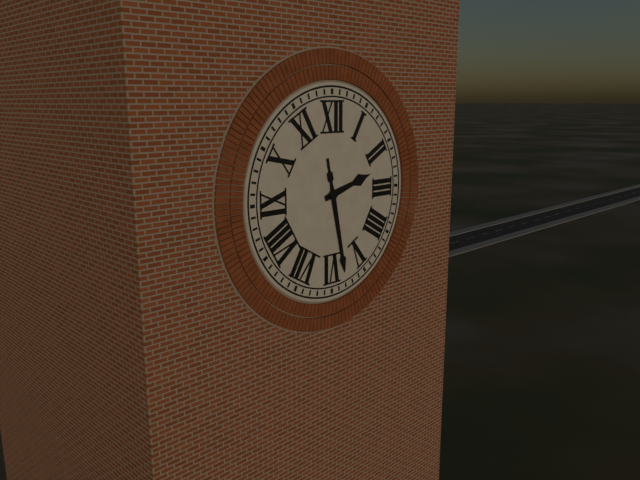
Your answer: 2,28
